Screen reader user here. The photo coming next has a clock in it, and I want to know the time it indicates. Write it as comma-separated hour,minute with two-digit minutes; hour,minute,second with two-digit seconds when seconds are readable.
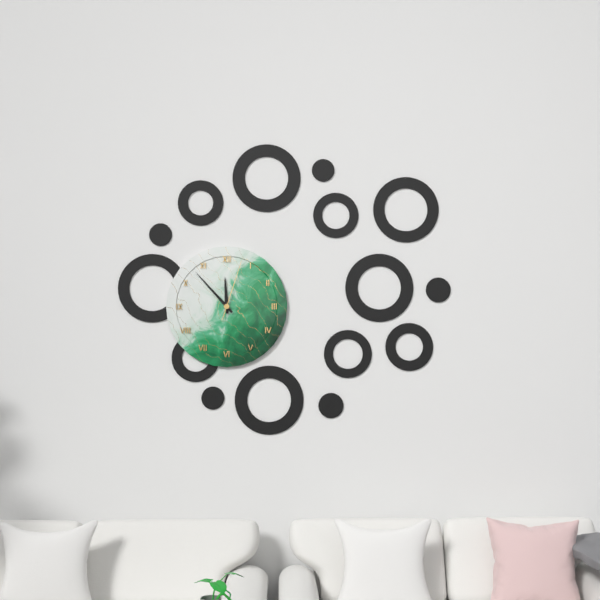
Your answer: 11,53,03
